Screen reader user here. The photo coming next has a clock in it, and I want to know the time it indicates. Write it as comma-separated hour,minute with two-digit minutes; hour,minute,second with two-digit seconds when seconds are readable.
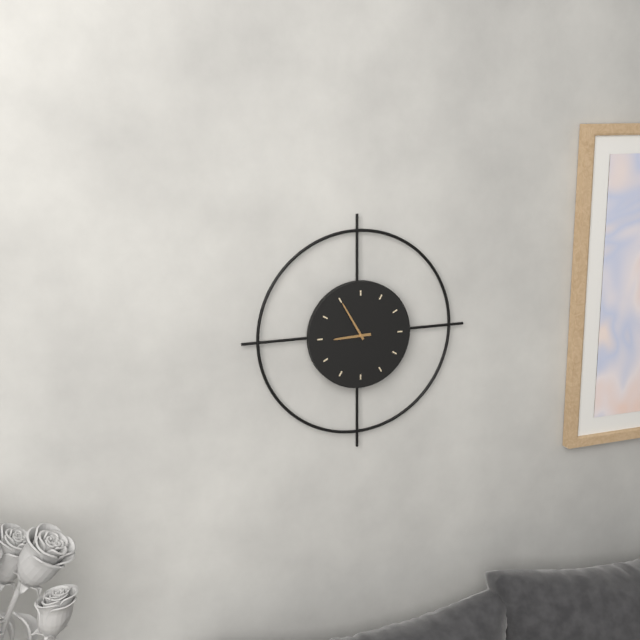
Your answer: 8,55
